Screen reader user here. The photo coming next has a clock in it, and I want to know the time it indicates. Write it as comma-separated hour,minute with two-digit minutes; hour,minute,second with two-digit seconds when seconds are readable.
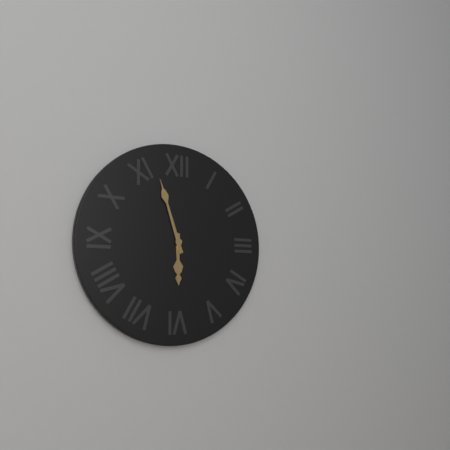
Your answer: 5,57
